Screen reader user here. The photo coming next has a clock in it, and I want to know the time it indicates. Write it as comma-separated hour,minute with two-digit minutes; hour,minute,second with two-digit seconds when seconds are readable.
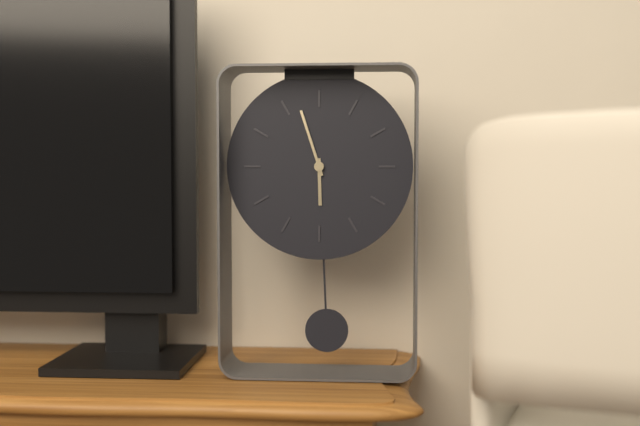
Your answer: 5,57
